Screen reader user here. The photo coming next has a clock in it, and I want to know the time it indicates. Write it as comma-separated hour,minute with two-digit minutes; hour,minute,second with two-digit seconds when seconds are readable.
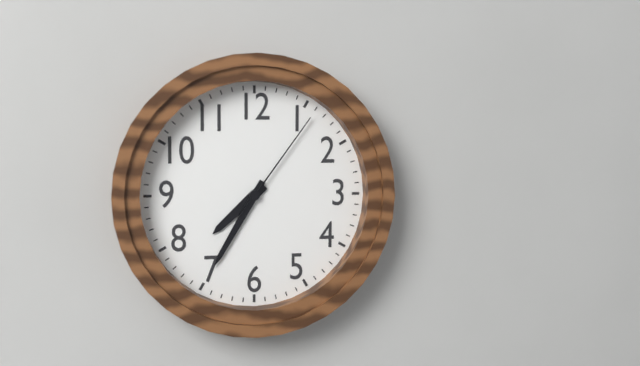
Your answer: 7,35,06
